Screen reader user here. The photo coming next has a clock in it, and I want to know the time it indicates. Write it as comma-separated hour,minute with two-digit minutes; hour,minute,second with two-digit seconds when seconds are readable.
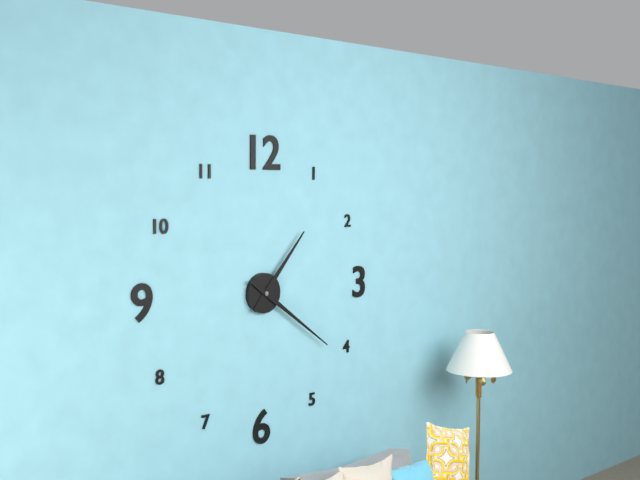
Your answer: 1,21
